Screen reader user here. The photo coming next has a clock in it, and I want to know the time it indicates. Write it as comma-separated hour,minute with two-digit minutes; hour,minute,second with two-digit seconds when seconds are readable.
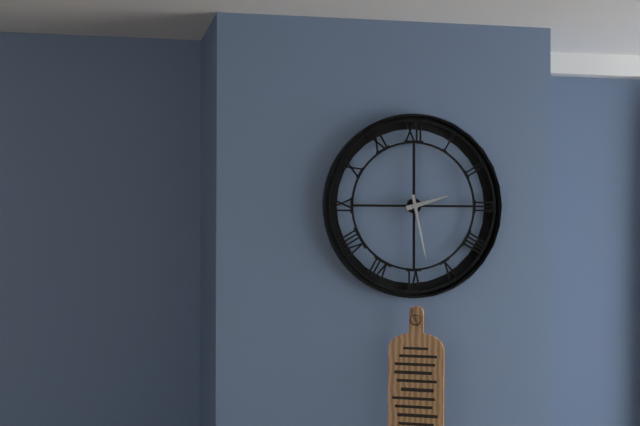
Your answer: 2,28
